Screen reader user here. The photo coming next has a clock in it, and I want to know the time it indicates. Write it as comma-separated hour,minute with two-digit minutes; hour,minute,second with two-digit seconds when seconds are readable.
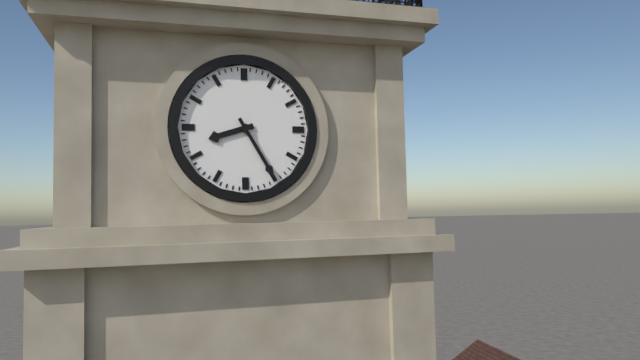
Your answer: 8,25
